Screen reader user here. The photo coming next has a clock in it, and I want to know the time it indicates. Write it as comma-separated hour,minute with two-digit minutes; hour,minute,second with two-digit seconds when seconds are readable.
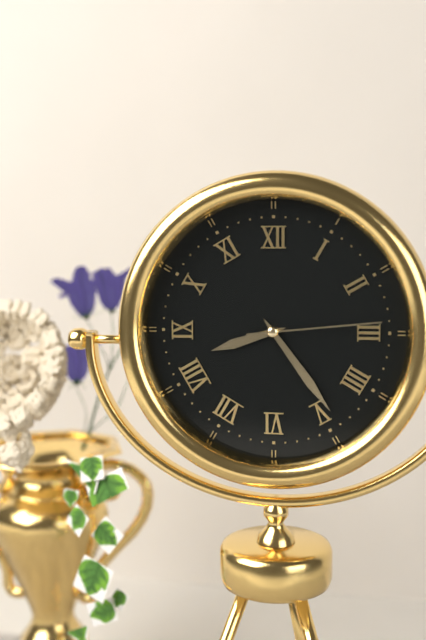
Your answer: 8,24,14
